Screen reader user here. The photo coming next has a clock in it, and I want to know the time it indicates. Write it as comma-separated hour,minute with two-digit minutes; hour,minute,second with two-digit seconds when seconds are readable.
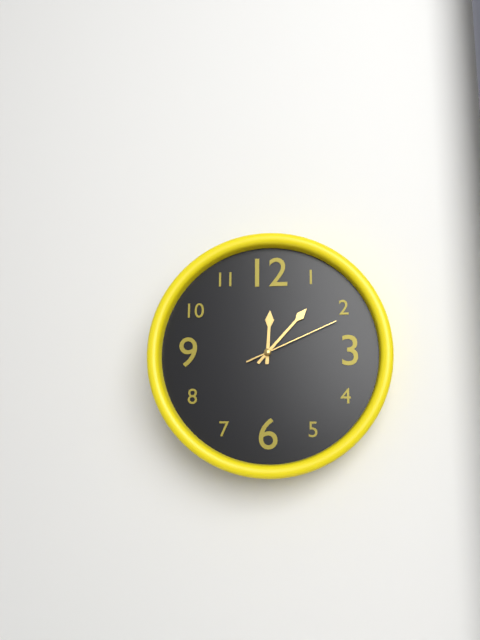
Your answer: 12,07,11
